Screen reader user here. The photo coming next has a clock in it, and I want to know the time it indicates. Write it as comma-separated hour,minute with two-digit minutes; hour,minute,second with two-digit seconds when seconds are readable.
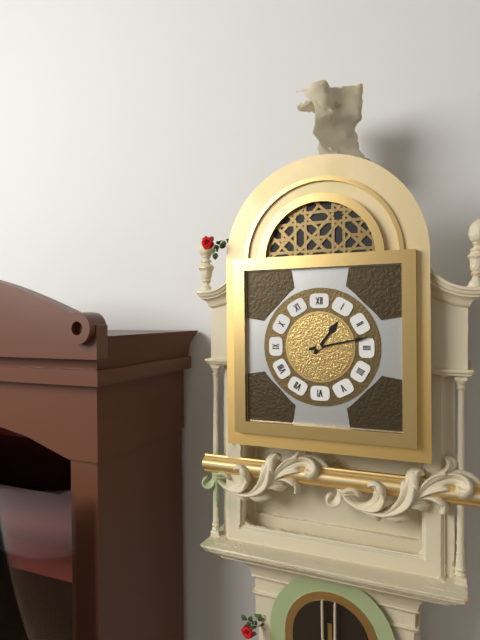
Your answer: 1,13
